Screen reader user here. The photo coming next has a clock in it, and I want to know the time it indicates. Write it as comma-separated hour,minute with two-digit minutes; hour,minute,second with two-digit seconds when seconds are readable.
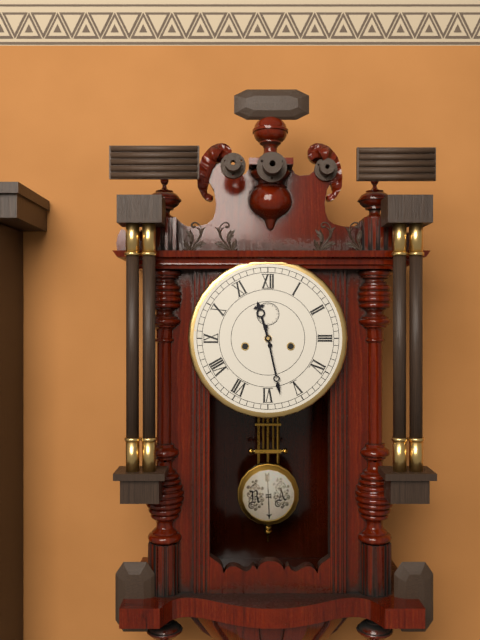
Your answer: 11,28
